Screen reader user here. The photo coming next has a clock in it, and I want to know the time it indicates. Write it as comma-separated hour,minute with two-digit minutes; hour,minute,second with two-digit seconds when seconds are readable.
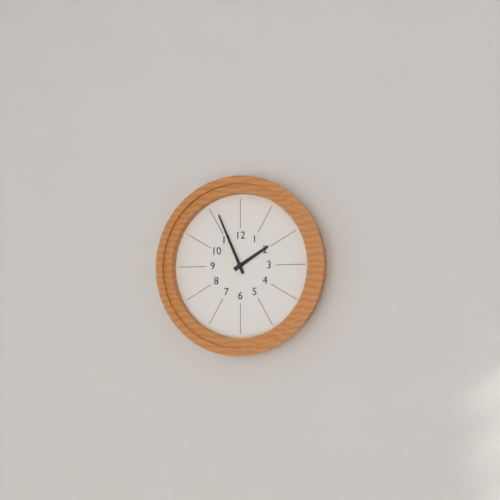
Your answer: 1,56
